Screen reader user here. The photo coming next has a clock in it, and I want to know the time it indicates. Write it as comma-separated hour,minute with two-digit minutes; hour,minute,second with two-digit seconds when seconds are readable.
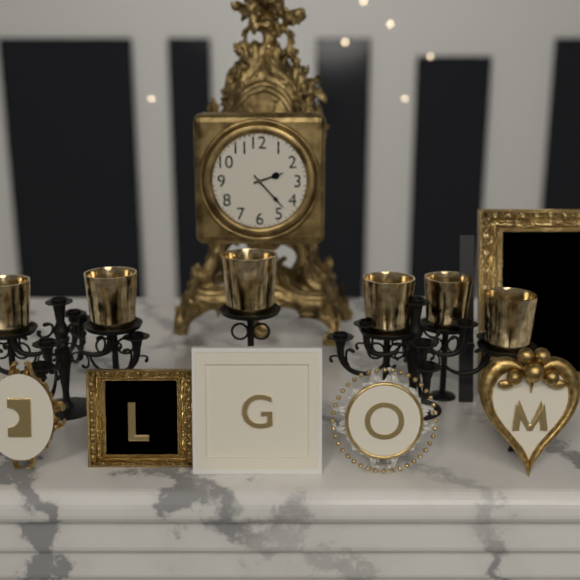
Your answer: 2,23
